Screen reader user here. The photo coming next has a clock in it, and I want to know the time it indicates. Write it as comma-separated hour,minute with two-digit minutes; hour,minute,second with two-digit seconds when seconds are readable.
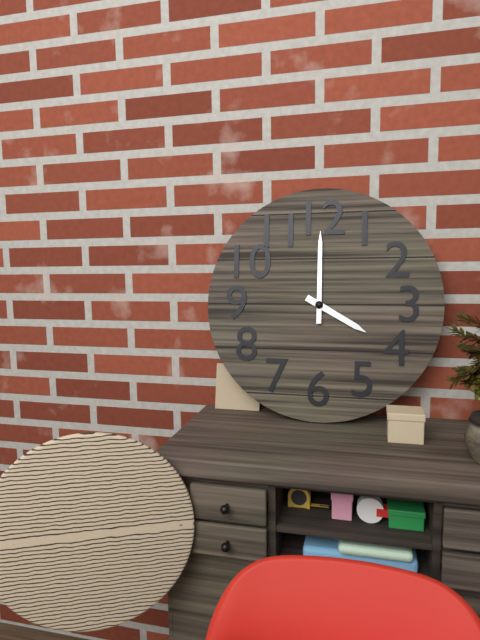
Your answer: 4,00
